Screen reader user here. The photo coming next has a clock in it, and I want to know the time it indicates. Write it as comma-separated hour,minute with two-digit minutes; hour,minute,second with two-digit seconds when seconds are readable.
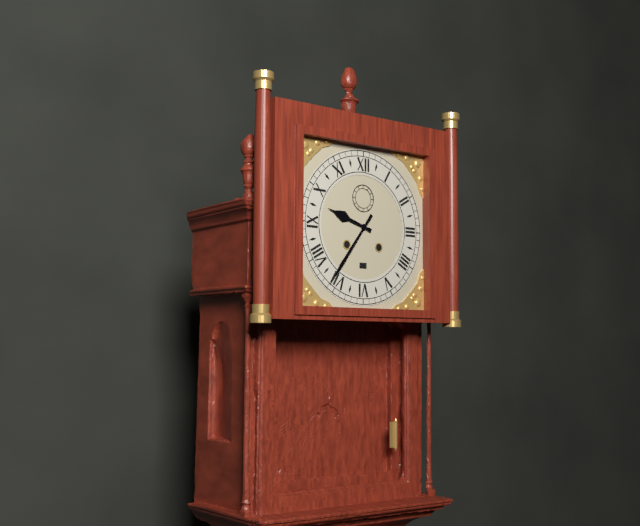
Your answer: 9,36
